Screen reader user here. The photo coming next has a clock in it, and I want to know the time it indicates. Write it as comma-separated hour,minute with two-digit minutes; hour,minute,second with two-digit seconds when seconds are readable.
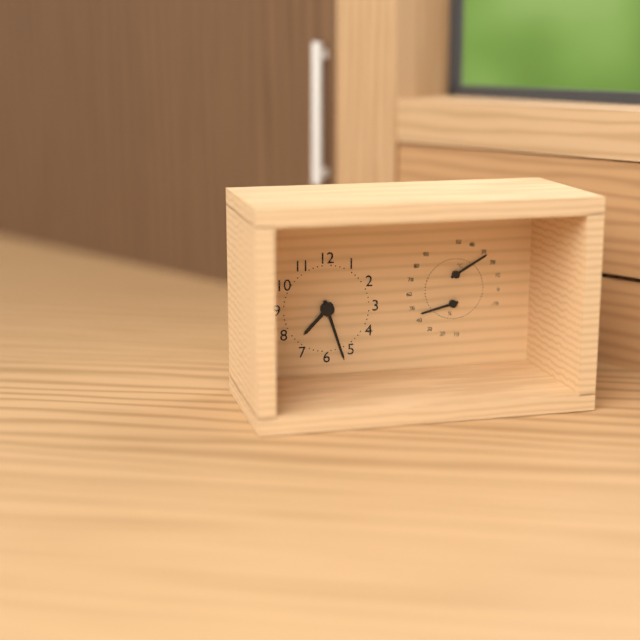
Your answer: 7,27
